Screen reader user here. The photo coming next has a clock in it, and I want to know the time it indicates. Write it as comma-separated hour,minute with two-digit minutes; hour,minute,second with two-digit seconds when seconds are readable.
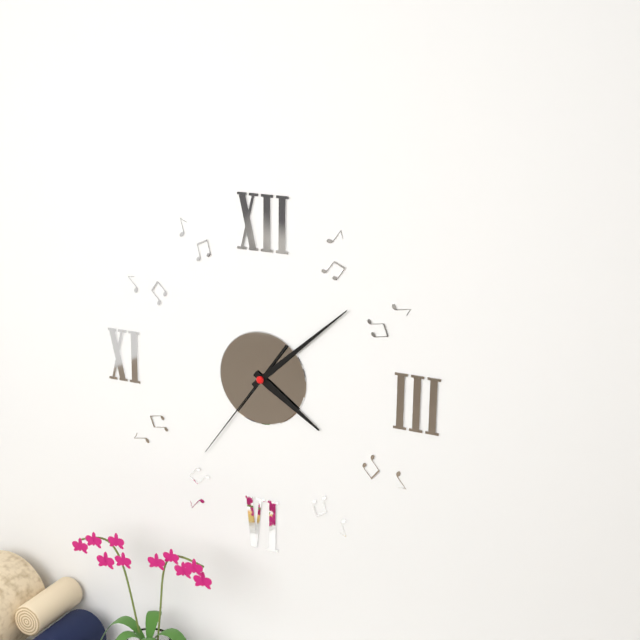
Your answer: 4,08,36
